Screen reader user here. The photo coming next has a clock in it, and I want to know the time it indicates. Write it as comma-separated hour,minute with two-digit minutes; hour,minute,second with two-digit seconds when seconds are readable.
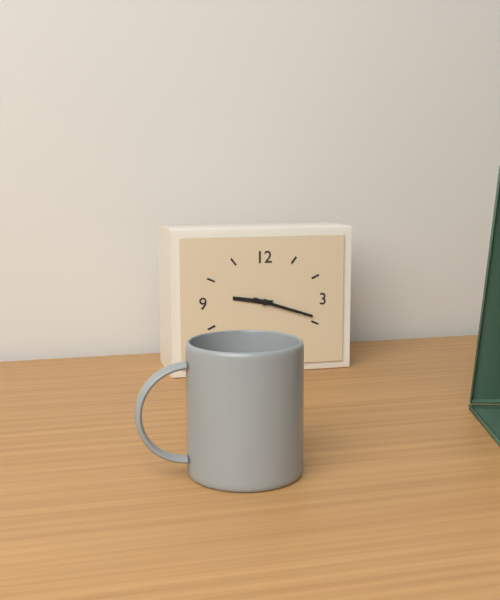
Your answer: 9,18
